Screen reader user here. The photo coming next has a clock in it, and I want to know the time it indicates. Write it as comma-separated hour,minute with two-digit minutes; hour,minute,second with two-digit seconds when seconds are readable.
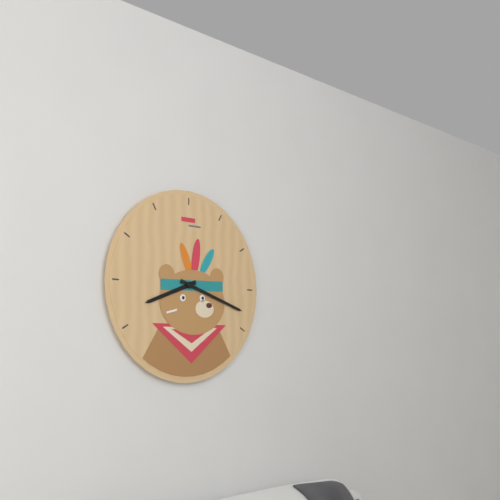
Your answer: 8,18
